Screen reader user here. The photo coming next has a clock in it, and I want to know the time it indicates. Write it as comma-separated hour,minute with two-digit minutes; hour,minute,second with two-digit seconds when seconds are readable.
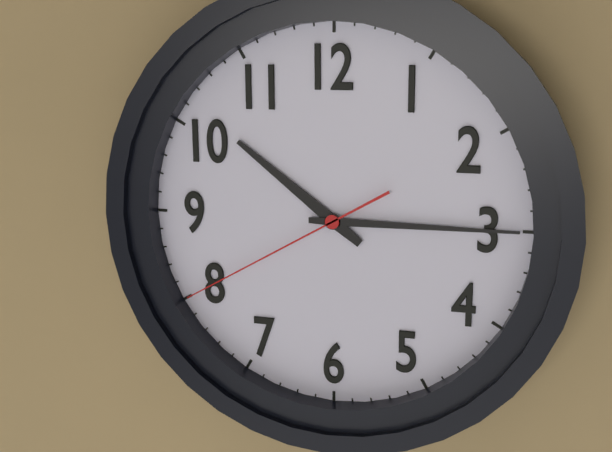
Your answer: 10,15,40
